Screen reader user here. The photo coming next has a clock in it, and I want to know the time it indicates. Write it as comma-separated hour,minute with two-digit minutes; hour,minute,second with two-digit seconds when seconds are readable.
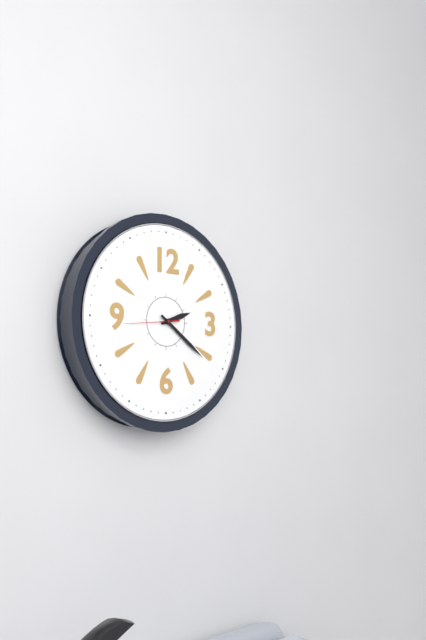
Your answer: 2,21,44
